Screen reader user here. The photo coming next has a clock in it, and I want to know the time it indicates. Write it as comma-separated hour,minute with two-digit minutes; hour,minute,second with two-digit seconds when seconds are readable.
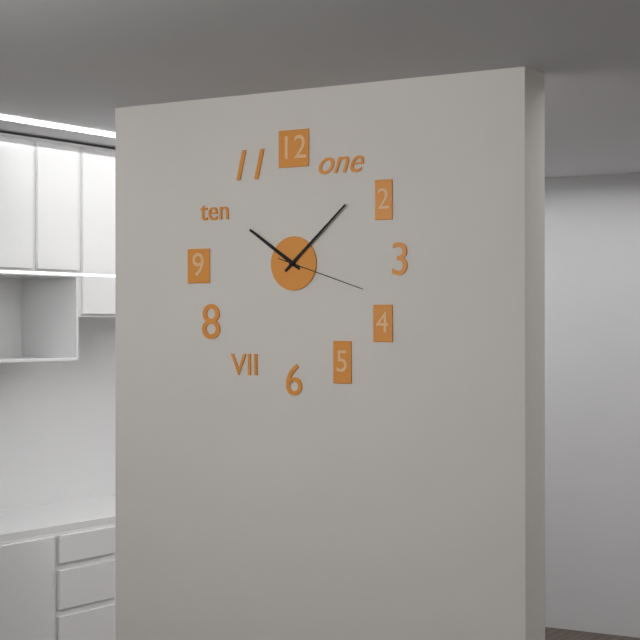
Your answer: 10,08,18
